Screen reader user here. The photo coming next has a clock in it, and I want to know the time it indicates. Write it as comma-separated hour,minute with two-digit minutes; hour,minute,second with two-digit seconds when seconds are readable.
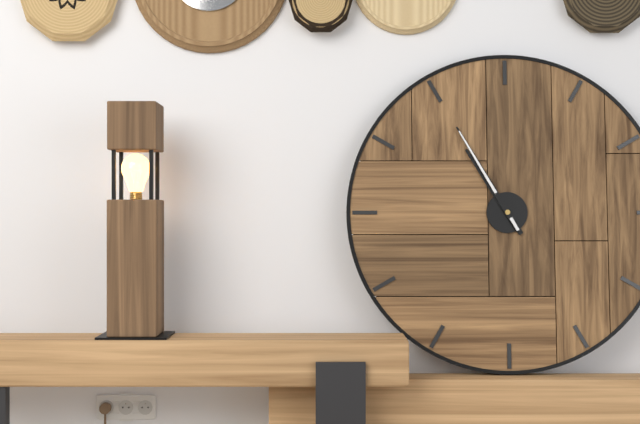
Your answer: 10,55
